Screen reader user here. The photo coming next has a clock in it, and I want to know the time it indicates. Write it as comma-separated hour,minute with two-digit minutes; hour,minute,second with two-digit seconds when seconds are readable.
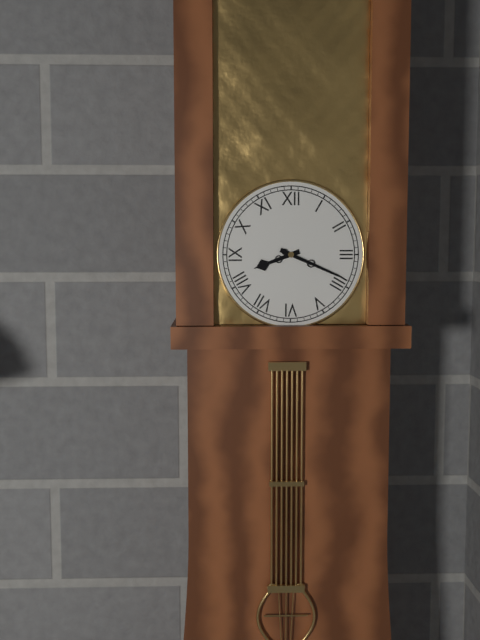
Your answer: 8,19
